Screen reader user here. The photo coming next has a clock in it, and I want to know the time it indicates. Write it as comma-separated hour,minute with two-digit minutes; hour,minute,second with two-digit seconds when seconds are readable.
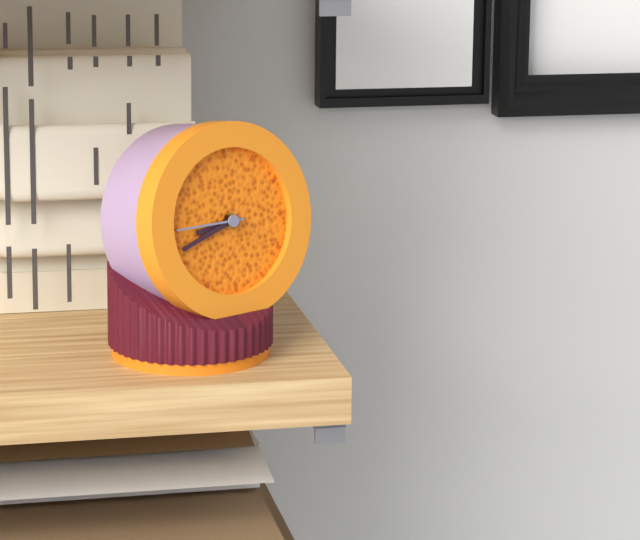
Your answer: 8,42,45
